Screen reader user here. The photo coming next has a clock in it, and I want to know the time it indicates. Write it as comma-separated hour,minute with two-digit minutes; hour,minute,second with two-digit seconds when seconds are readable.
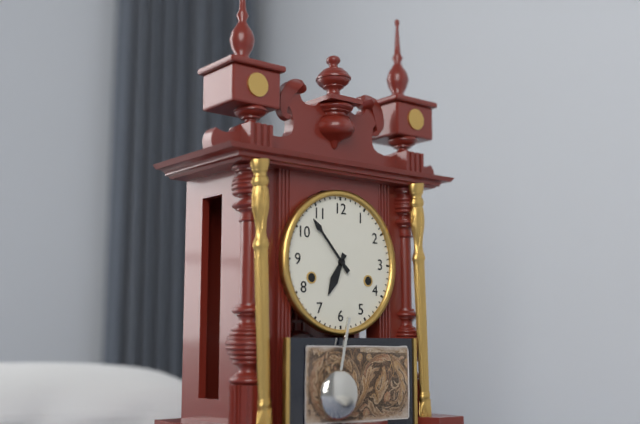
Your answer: 6,53
